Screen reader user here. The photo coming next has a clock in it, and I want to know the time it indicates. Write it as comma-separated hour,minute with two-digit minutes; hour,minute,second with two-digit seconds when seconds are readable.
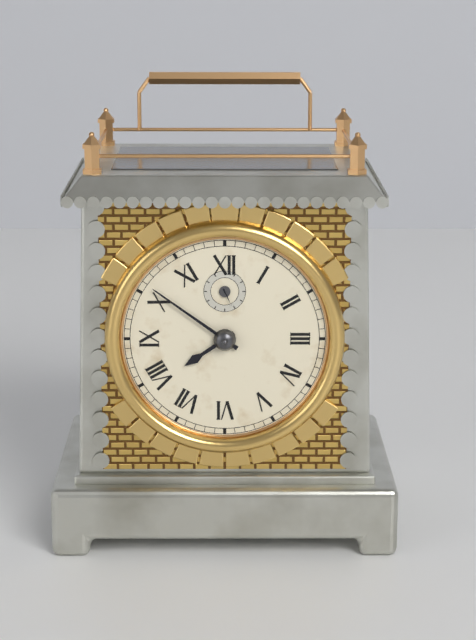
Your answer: 7,51
